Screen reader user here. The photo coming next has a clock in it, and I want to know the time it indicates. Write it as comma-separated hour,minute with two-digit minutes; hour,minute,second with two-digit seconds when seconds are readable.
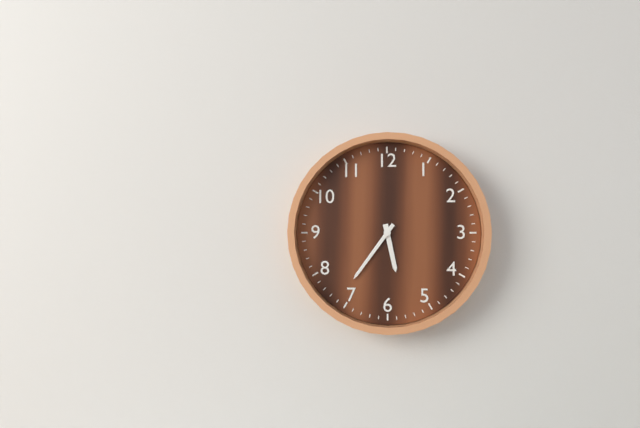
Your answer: 5,36
